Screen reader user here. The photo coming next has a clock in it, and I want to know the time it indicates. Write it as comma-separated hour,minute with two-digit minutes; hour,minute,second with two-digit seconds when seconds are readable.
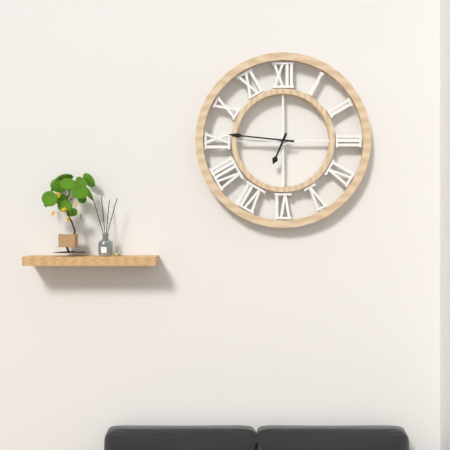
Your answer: 6,46
